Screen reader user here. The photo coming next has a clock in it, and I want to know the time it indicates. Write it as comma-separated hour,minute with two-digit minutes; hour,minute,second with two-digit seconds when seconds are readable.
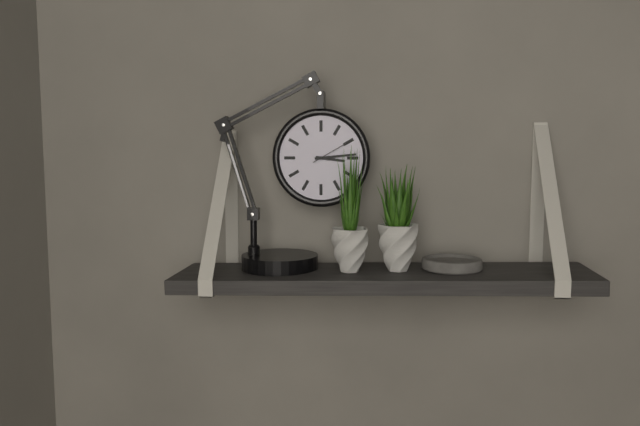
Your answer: 3,14
